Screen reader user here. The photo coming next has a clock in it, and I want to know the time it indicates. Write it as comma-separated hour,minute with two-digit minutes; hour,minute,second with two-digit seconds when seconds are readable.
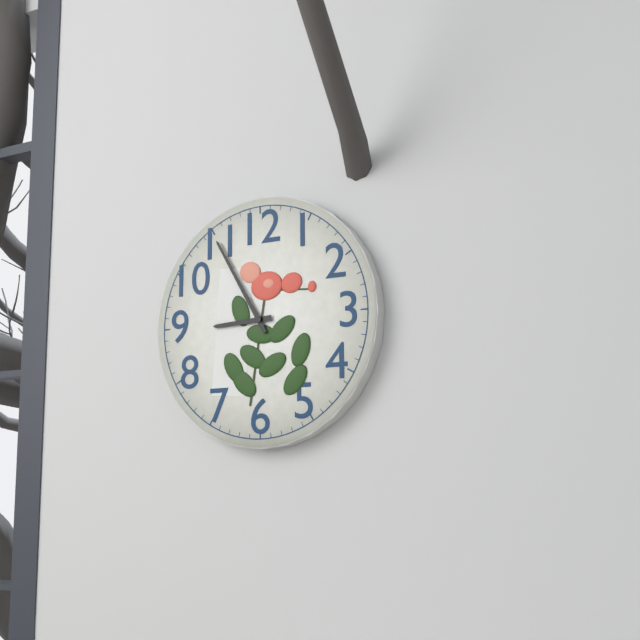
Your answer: 8,55
